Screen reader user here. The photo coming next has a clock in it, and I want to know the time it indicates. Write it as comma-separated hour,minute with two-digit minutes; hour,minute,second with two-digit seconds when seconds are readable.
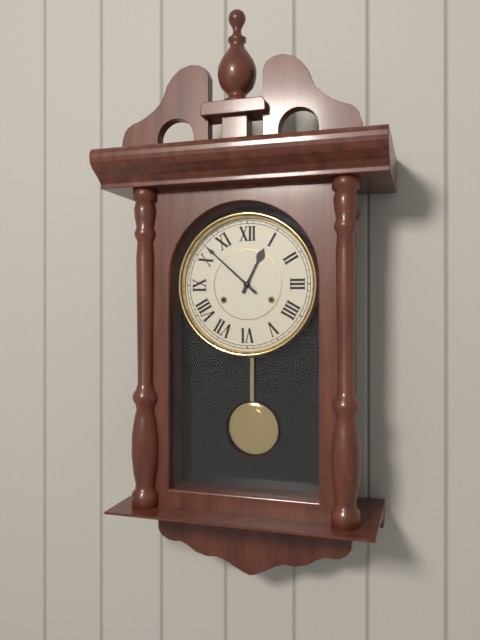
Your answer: 12,52
